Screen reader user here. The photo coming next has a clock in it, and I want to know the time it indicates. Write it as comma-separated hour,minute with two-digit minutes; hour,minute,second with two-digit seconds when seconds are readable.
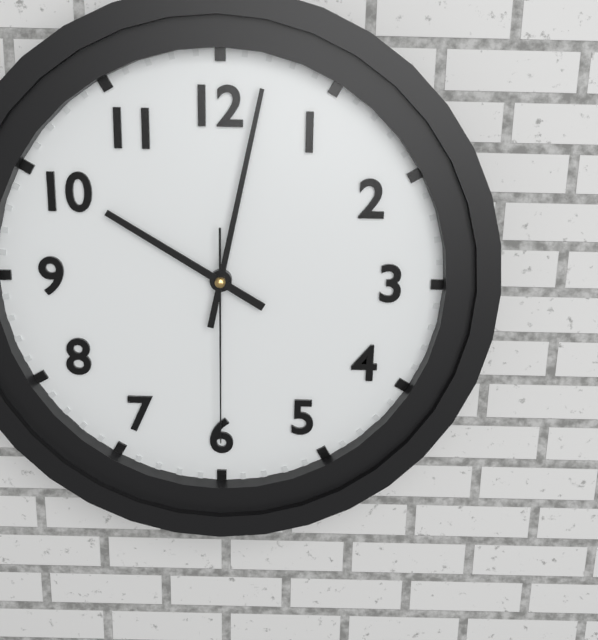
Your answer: 10,02,30
